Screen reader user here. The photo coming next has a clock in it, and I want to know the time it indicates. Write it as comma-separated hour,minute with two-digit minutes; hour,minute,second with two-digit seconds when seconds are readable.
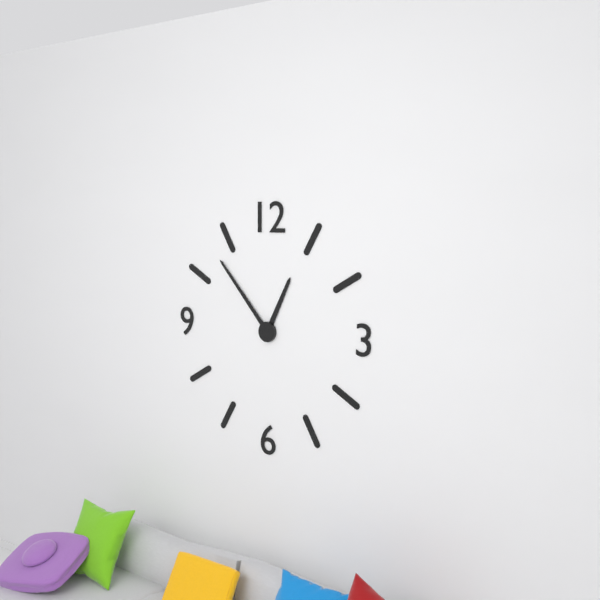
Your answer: 12,53
